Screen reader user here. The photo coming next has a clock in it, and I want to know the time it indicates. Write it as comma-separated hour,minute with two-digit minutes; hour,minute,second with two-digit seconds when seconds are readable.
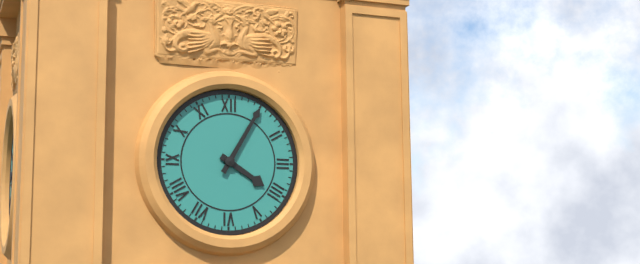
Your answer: 4,05
